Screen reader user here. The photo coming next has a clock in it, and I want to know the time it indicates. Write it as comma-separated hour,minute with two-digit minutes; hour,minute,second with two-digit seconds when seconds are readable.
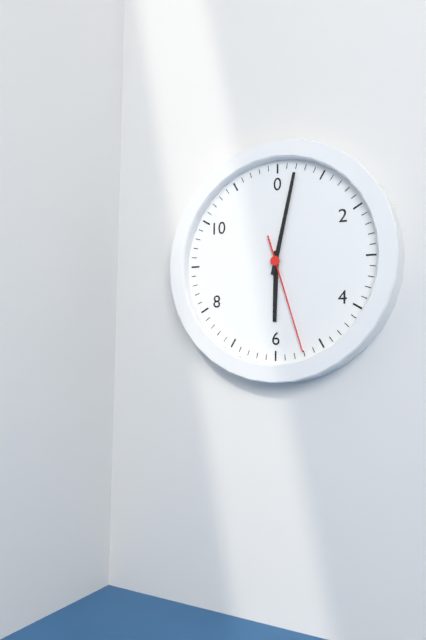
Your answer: 6,02,27
